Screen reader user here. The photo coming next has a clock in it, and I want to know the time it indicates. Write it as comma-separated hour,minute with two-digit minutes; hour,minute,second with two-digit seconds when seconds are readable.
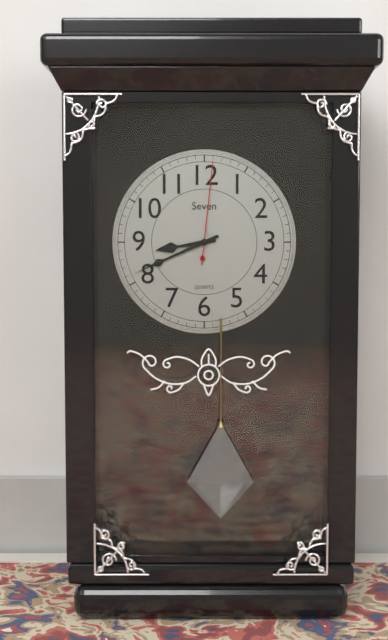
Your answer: 8,41,01
